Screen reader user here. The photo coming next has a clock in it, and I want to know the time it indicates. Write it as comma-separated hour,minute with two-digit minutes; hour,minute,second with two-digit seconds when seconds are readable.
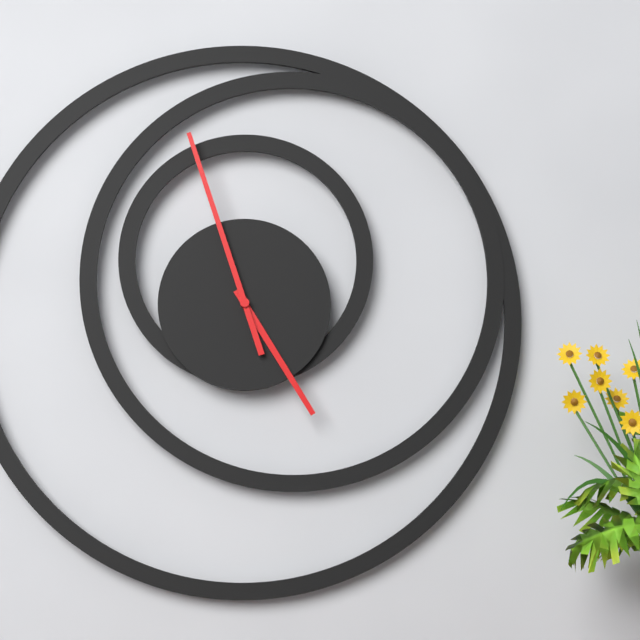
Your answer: 4,57
